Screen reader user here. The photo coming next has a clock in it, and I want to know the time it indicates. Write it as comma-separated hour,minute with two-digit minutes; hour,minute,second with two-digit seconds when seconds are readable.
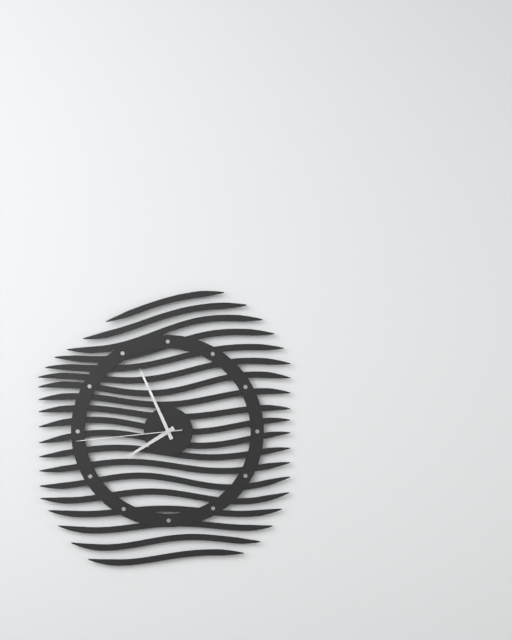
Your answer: 7,56,44
